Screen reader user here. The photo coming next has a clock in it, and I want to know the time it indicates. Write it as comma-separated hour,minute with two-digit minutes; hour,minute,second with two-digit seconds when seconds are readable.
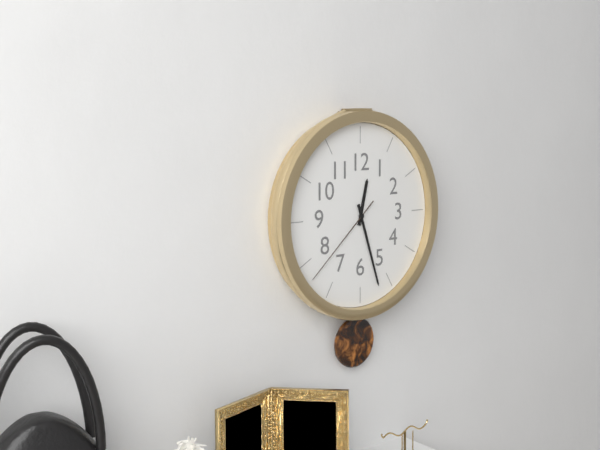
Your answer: 12,27,38
